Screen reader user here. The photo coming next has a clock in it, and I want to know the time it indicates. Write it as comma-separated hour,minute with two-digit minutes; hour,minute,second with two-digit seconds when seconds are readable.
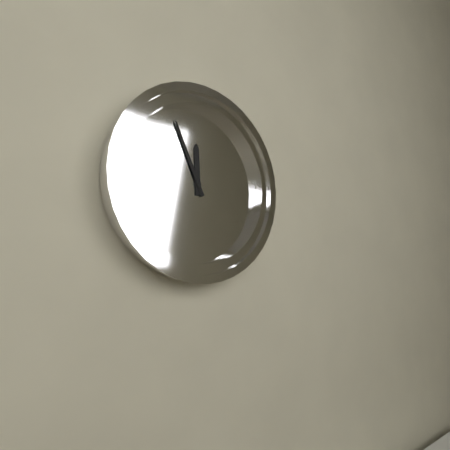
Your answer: 11,56
